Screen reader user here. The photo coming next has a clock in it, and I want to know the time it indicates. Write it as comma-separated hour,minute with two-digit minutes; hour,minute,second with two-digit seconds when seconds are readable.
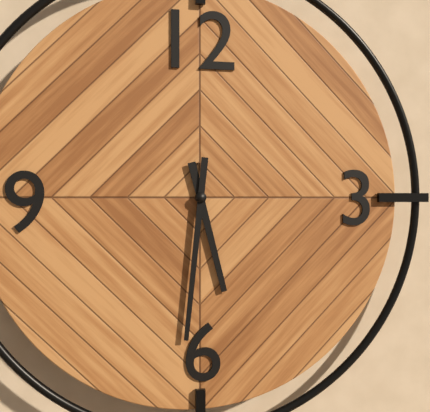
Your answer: 5,31
